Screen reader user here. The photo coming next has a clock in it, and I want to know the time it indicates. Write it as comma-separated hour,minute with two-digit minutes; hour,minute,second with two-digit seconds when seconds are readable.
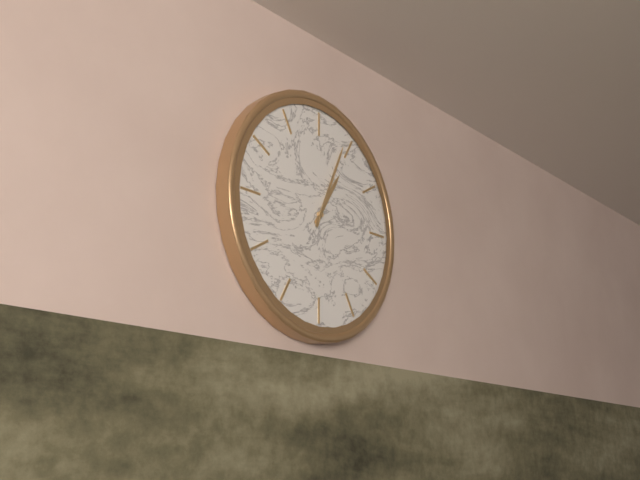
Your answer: 1,04
